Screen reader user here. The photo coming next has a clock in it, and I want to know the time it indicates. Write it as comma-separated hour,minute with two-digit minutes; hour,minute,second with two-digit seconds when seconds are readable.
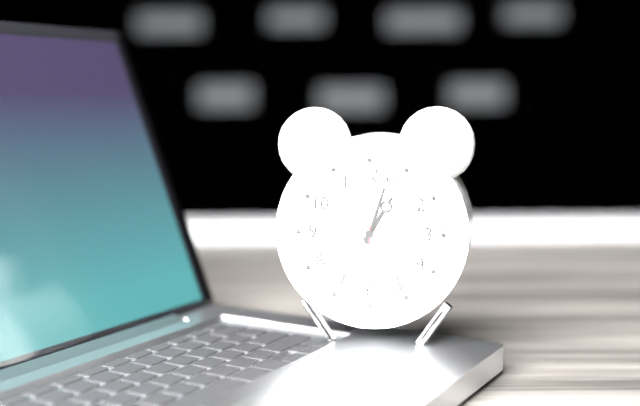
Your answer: 1,03,00
